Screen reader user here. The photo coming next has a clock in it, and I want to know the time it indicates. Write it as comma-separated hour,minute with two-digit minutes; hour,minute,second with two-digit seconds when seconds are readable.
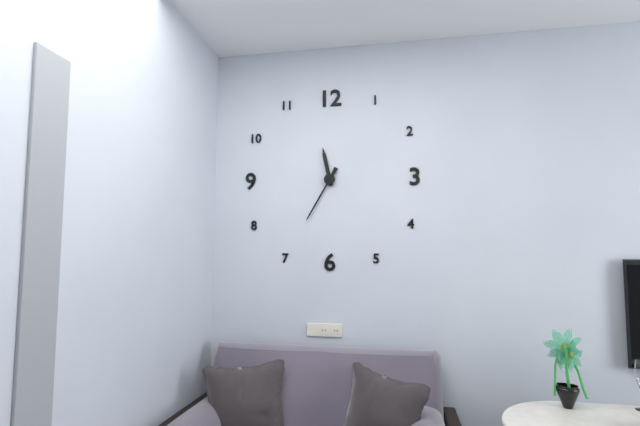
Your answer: 11,35
